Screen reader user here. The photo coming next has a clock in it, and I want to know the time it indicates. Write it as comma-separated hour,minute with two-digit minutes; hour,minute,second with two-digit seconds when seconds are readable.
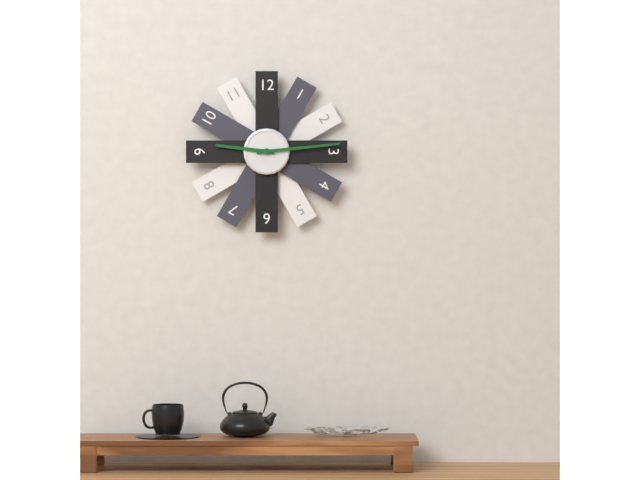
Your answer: 9,14
